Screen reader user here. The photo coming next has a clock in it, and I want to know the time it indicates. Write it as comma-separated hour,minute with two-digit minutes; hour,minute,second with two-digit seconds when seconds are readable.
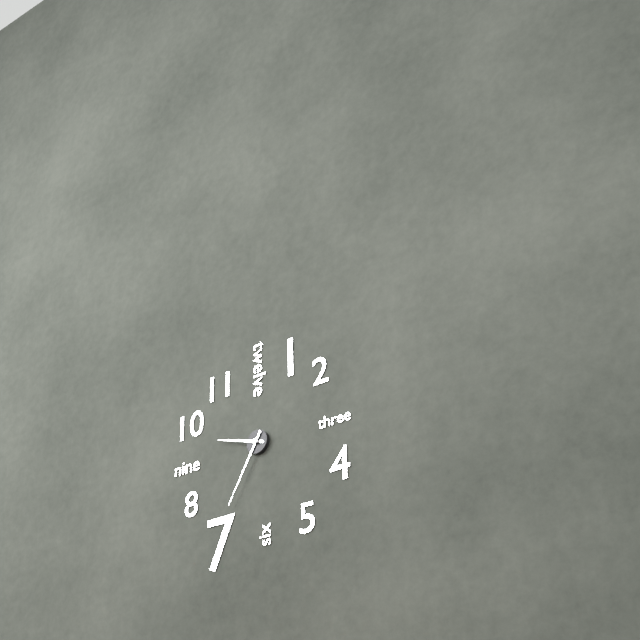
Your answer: 9,35
